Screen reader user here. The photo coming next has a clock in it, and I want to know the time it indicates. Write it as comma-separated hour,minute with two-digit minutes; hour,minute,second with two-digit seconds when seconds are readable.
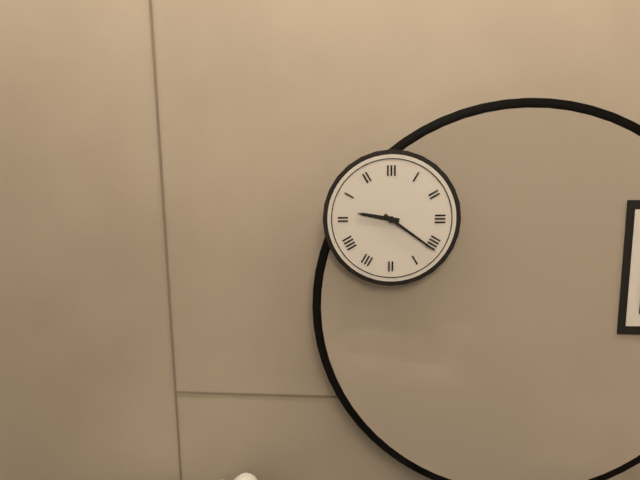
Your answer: 9,21
